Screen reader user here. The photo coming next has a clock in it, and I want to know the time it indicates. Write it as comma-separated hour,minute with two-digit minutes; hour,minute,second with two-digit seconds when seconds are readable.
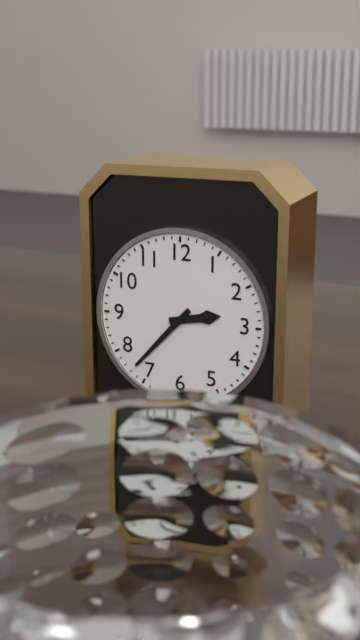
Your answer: 2,37
